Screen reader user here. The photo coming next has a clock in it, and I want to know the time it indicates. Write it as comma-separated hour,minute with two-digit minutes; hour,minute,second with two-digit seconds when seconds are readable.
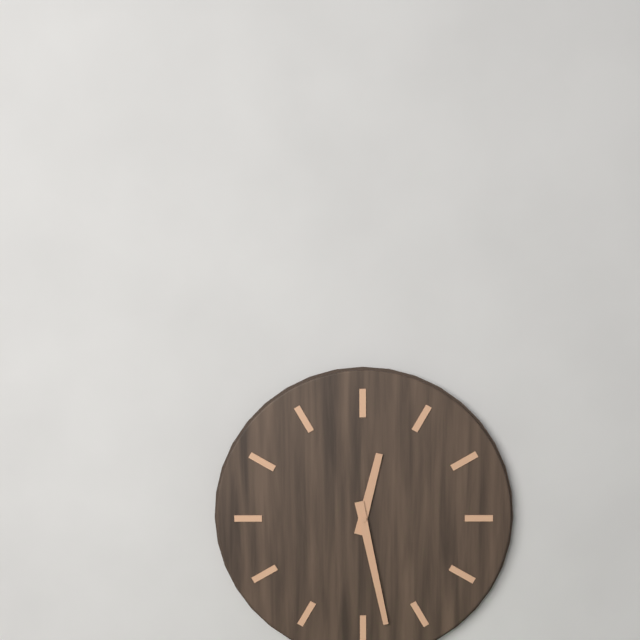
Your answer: 12,28
